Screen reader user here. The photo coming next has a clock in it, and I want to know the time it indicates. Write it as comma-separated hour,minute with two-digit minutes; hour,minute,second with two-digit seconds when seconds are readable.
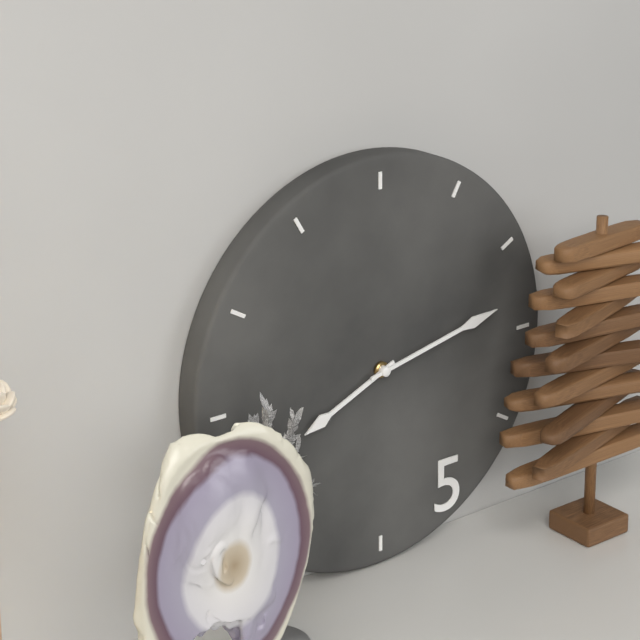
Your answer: 8,13
